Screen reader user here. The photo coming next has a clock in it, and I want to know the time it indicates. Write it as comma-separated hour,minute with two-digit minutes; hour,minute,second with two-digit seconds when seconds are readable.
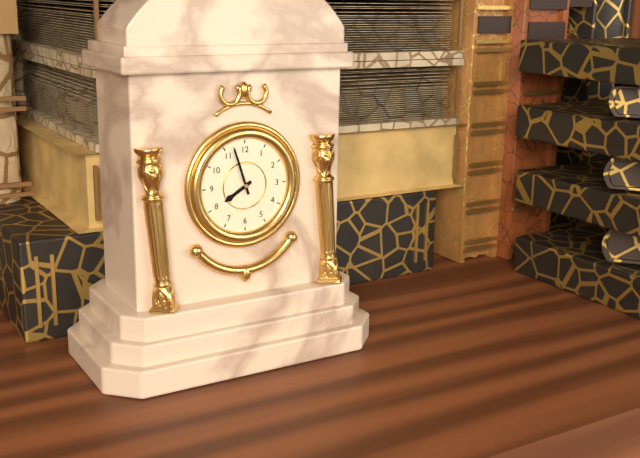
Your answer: 7,57
